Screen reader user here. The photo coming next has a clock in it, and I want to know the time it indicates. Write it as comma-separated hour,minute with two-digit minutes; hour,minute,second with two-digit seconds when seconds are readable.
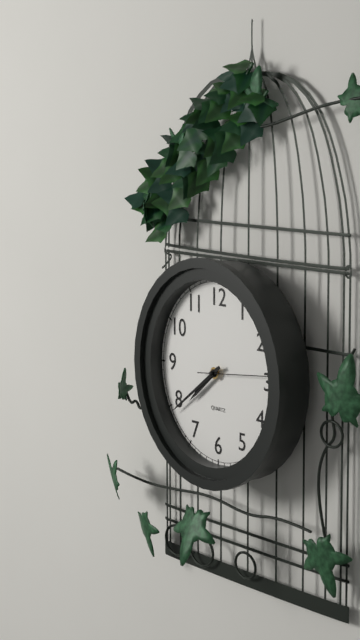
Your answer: 7,39,14
